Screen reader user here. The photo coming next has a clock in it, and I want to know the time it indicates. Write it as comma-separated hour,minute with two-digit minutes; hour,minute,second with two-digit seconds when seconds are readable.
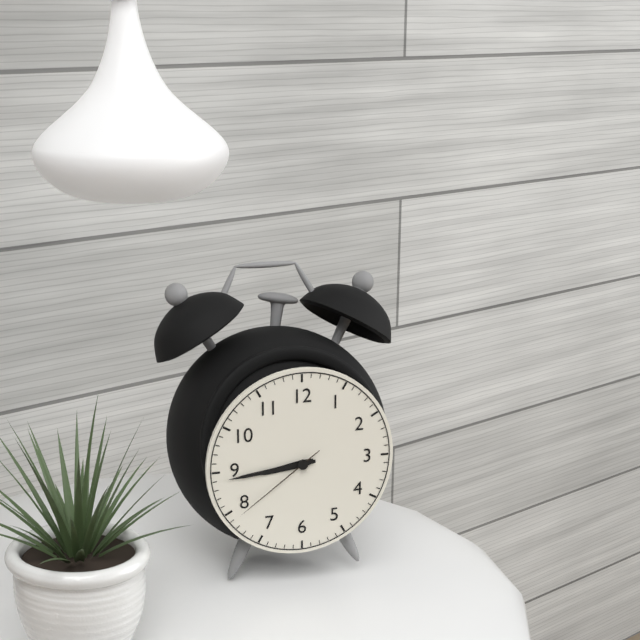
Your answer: 8,44,39
